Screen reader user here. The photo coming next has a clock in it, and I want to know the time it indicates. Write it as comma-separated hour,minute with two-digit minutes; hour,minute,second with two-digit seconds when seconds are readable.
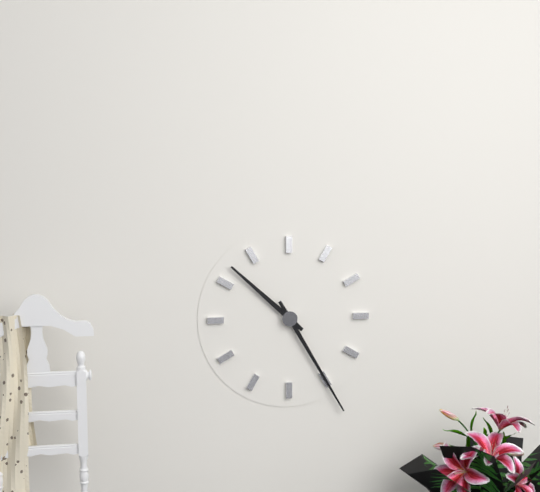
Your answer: 10,25
